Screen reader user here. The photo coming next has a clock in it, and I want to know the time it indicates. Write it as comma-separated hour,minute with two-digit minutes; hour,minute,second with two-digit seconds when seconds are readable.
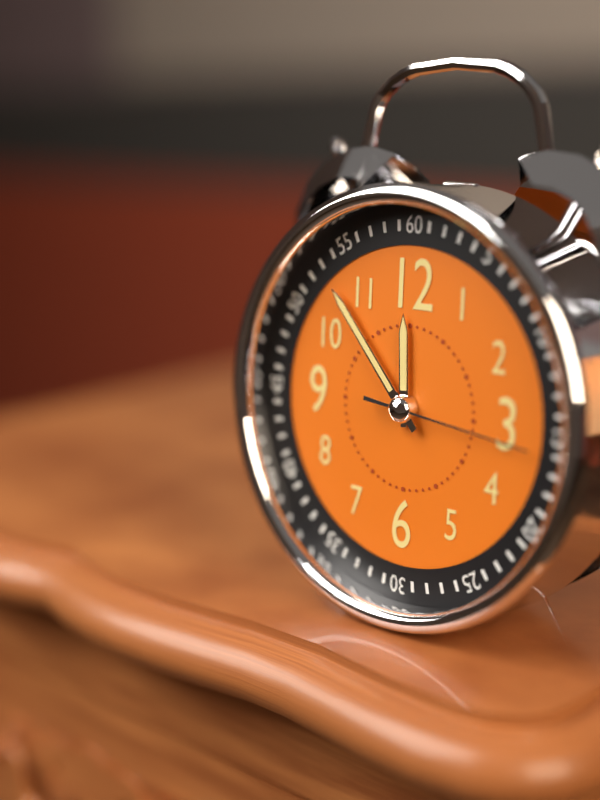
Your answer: 11,53,16
